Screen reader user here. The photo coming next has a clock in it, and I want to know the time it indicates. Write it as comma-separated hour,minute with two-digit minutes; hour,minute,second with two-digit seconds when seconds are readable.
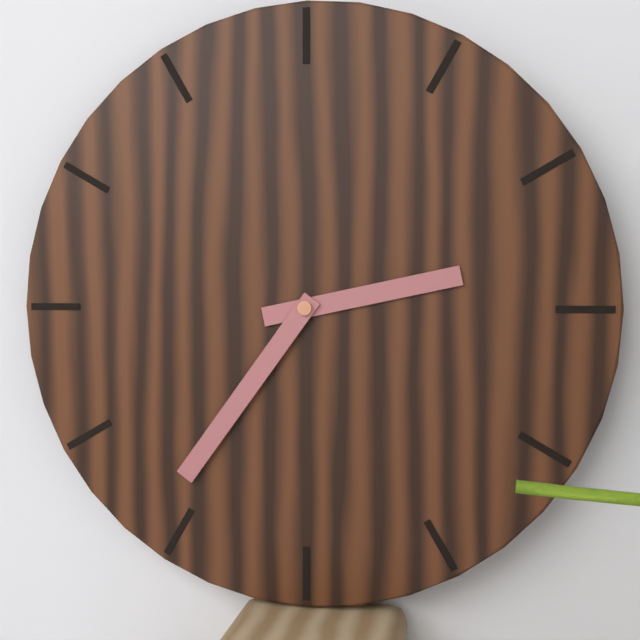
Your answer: 2,36
